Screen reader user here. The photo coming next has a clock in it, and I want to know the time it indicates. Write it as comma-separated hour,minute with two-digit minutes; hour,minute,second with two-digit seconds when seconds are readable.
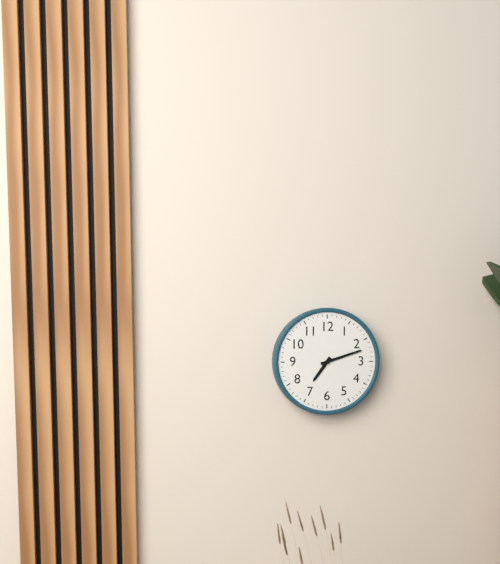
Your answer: 7,12
